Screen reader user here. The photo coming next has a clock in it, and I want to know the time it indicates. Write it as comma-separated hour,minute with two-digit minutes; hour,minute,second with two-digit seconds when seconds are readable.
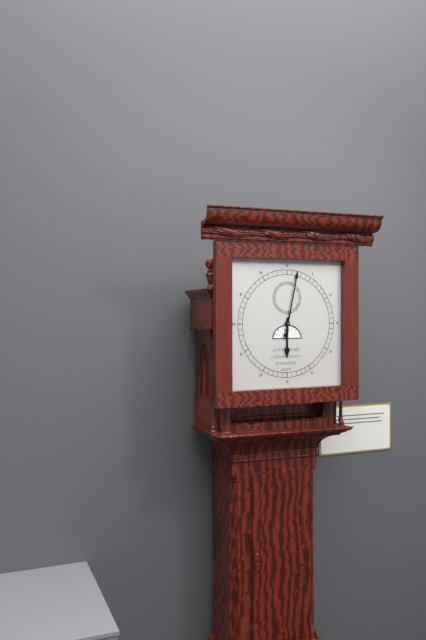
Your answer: 6,02
